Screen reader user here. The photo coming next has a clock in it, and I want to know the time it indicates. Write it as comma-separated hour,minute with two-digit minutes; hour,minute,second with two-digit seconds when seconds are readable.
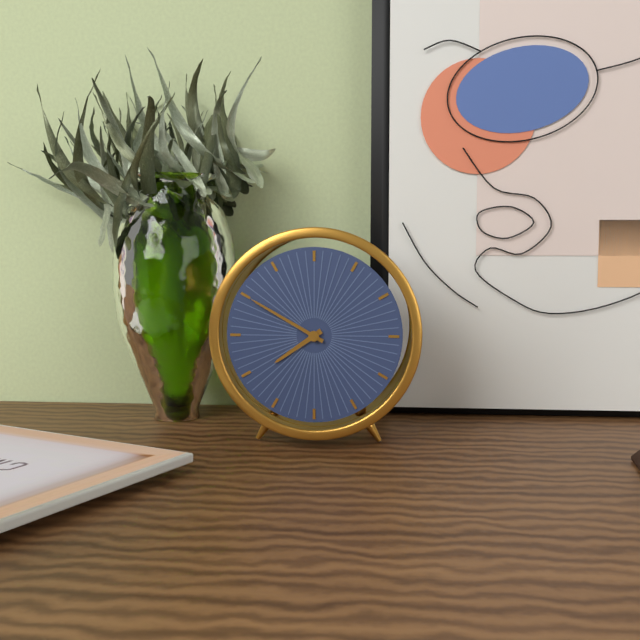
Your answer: 7,50
